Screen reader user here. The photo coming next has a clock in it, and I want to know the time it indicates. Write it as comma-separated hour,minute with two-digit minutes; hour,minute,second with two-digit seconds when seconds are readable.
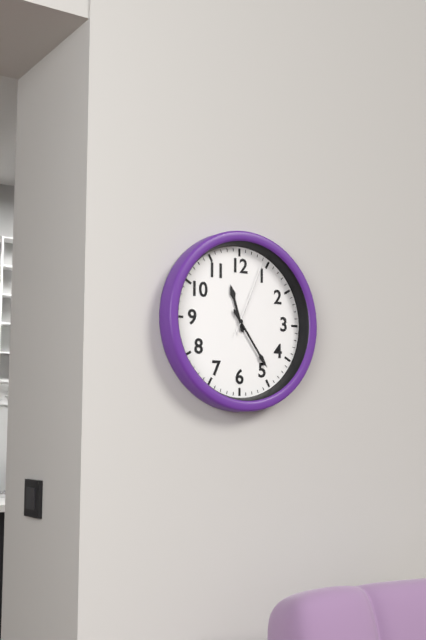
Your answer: 11,24,04
